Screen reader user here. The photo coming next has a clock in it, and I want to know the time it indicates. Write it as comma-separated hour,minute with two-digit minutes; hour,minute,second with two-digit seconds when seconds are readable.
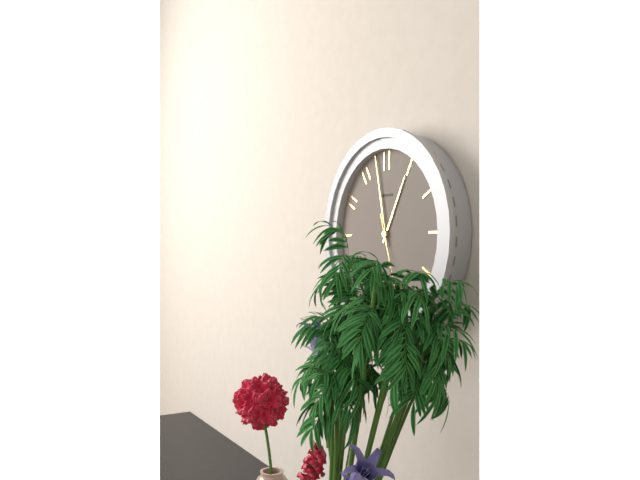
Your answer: 12,58
